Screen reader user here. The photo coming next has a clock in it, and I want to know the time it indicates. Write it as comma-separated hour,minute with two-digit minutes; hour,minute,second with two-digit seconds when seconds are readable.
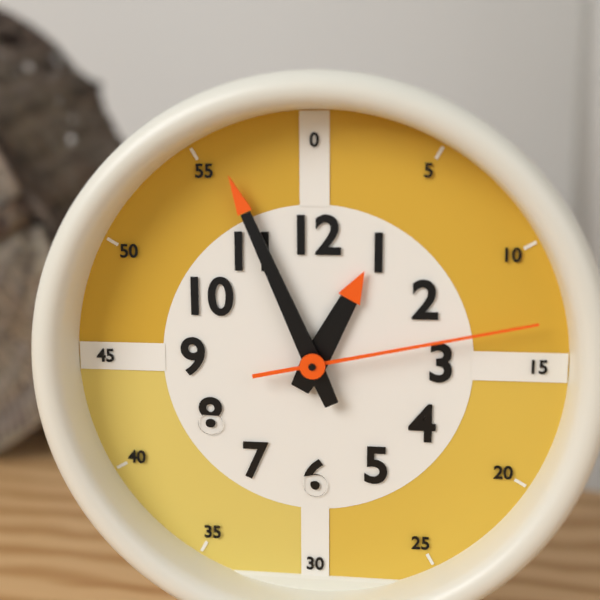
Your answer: 12,56,13
